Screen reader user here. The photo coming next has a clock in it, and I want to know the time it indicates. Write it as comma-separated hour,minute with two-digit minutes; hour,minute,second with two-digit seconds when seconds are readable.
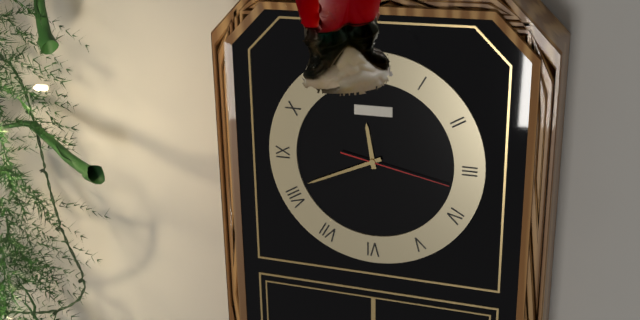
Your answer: 11,41,17
